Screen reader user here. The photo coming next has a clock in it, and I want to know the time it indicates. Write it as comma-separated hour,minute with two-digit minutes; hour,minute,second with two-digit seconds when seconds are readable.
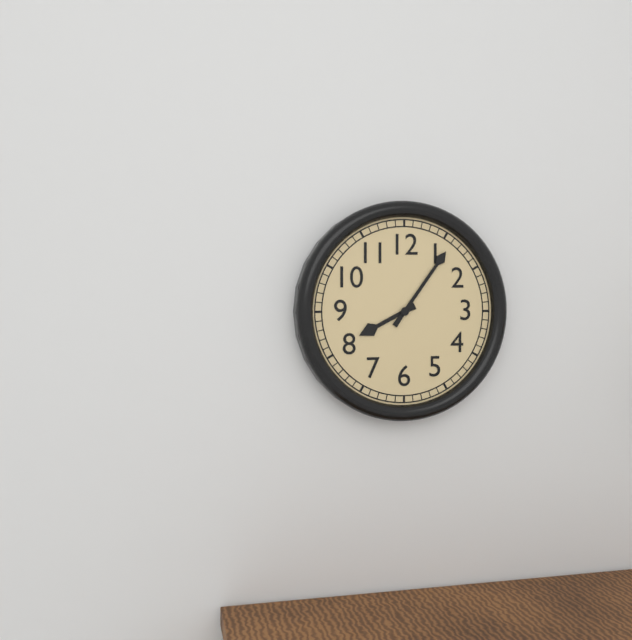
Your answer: 8,06
